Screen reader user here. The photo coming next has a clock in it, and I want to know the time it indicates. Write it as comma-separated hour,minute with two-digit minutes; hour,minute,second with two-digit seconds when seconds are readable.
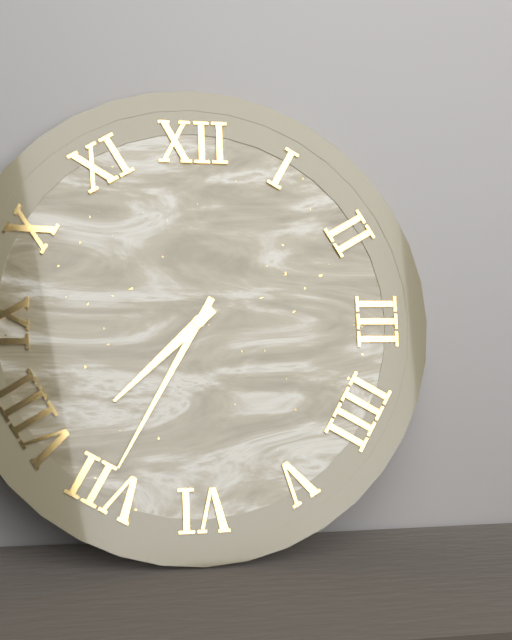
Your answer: 7,35
